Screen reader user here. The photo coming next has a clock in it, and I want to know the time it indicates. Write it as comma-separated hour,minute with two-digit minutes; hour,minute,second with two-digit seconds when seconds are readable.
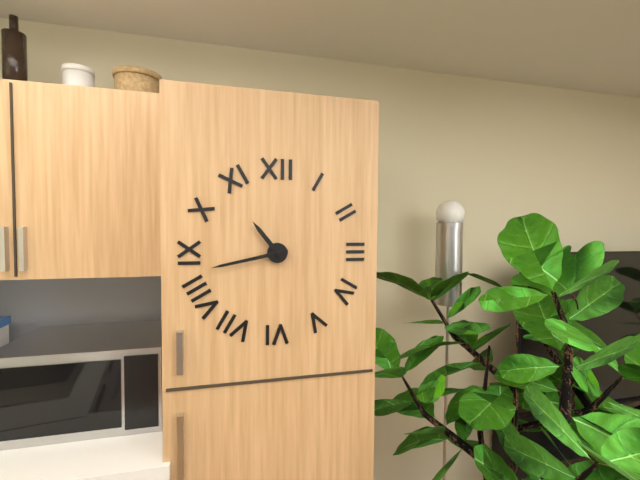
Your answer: 10,43
